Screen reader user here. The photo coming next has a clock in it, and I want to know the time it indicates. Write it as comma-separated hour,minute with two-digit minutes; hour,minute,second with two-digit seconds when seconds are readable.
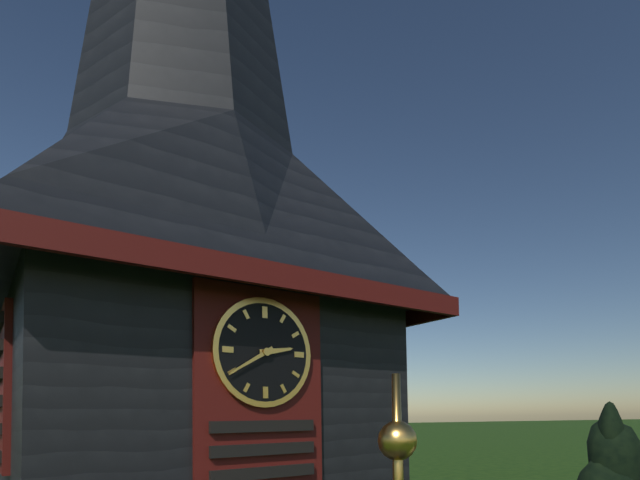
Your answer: 2,40
